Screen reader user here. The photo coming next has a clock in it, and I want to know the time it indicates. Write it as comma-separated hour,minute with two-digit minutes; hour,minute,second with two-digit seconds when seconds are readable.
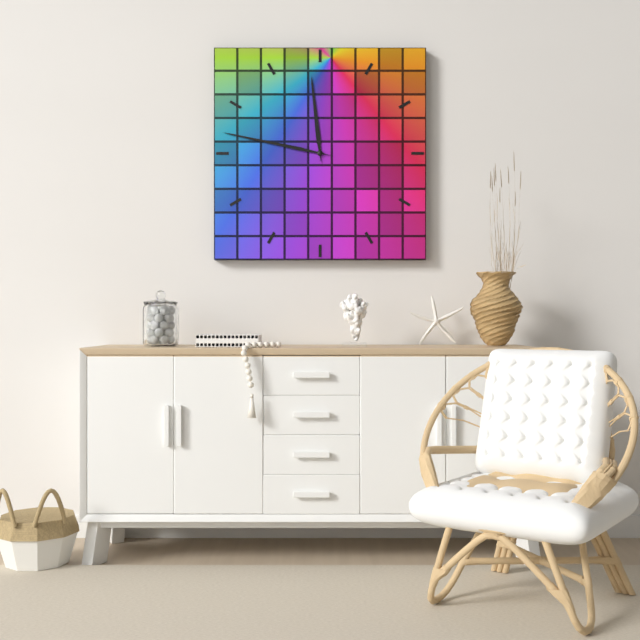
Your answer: 11,47
